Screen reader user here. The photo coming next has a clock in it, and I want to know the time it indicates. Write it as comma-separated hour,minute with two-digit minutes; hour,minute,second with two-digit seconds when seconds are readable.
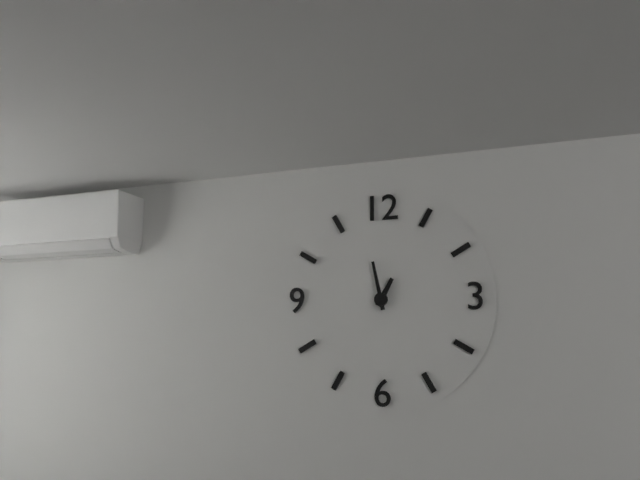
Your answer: 12,58
